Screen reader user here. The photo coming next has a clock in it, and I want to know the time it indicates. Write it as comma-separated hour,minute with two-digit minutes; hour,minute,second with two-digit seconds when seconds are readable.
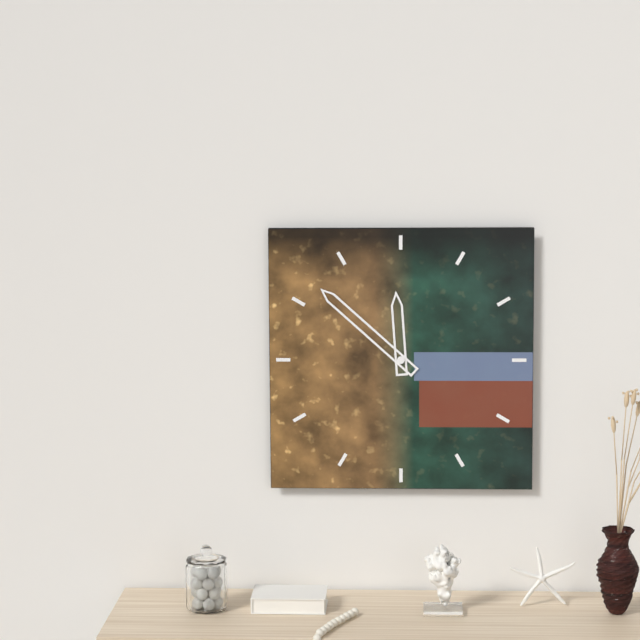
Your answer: 11,52
